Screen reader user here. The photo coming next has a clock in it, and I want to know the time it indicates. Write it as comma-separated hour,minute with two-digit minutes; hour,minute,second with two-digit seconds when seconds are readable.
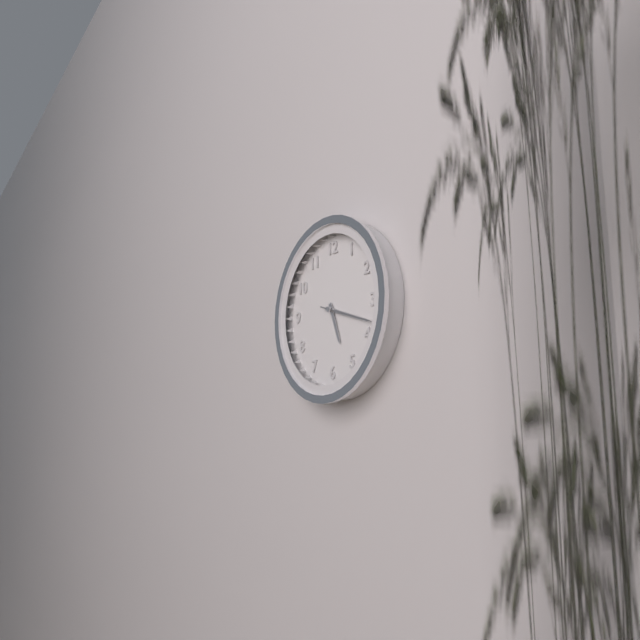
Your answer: 5,18,18
